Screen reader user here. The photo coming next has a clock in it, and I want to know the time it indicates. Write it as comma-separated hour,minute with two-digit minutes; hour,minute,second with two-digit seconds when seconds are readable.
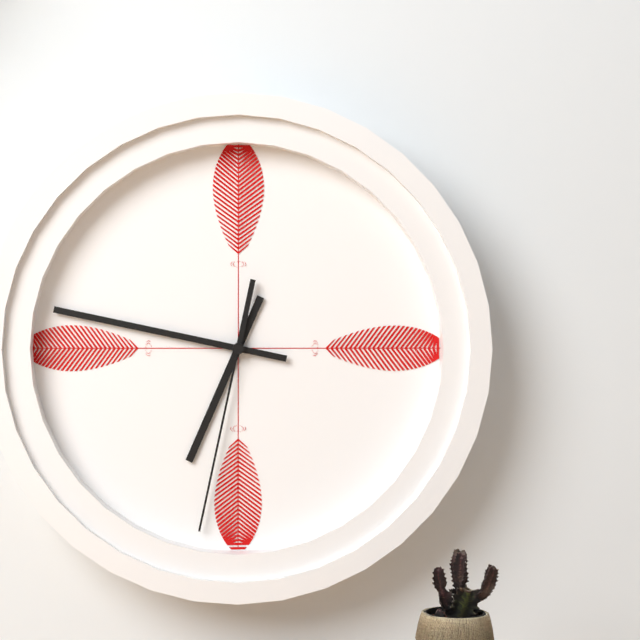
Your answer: 6,47,32
